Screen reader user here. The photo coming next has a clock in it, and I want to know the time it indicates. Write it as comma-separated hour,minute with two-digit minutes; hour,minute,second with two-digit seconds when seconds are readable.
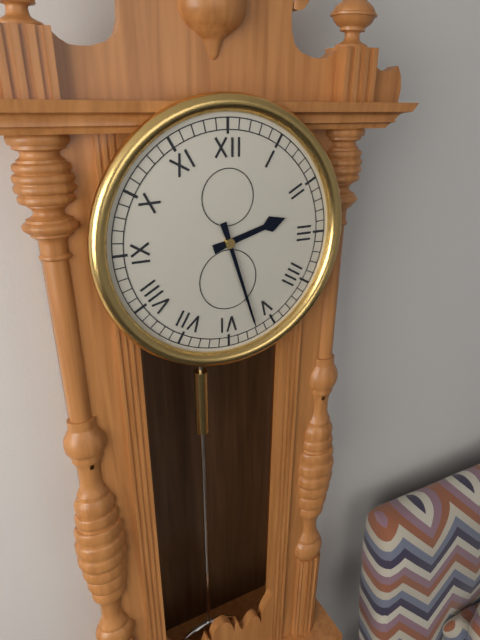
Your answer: 2,27
